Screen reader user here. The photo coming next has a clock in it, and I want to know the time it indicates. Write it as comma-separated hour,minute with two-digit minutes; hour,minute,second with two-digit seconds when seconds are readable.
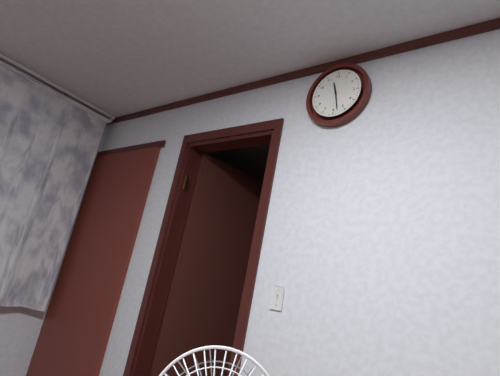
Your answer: 11,28
